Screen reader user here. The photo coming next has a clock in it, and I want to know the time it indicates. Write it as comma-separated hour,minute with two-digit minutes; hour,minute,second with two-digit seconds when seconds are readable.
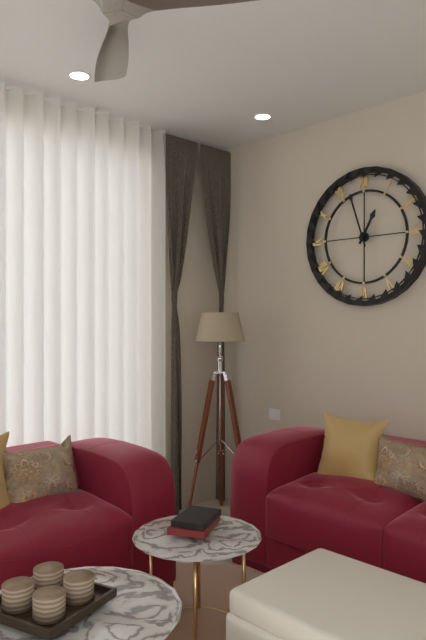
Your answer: 12,57
